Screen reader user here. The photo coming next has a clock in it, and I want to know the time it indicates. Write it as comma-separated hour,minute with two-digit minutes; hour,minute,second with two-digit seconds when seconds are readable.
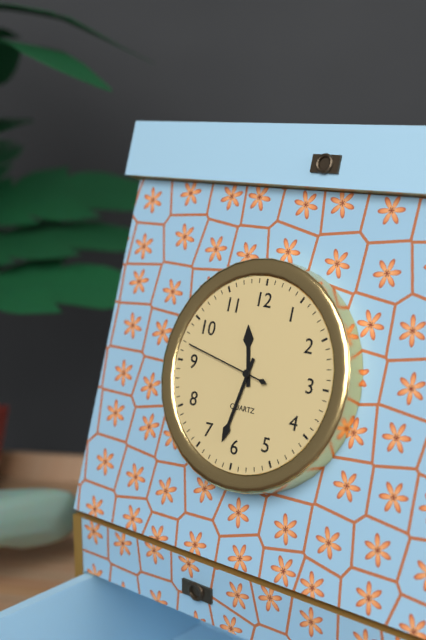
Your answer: 11,32,47
